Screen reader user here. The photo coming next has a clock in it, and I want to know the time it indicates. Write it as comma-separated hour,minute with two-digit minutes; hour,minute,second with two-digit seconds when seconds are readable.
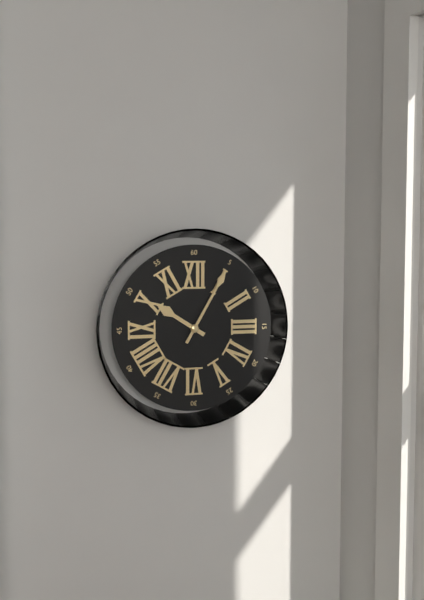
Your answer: 10,05
